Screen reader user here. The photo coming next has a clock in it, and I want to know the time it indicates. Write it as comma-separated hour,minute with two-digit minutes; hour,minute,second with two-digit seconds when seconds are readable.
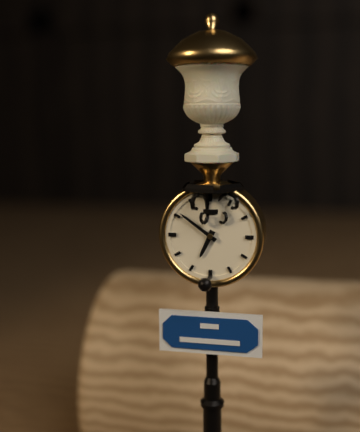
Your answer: 6,51
